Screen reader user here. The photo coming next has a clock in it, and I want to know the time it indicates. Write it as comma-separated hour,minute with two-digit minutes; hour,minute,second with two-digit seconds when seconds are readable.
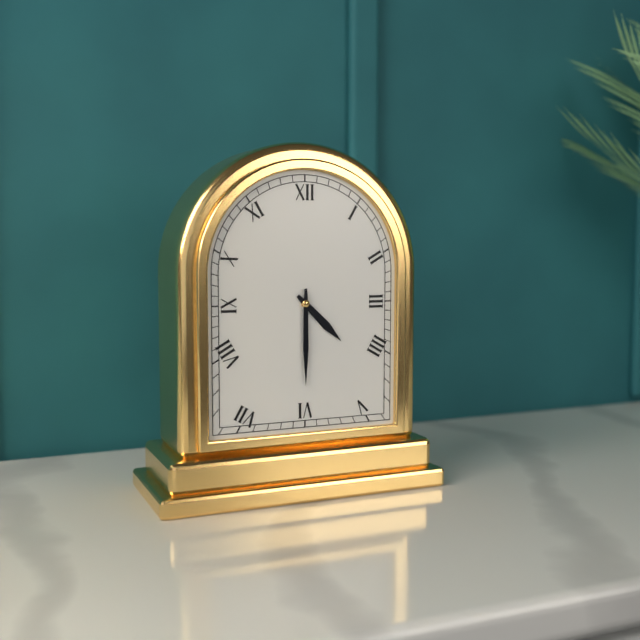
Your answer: 4,30
